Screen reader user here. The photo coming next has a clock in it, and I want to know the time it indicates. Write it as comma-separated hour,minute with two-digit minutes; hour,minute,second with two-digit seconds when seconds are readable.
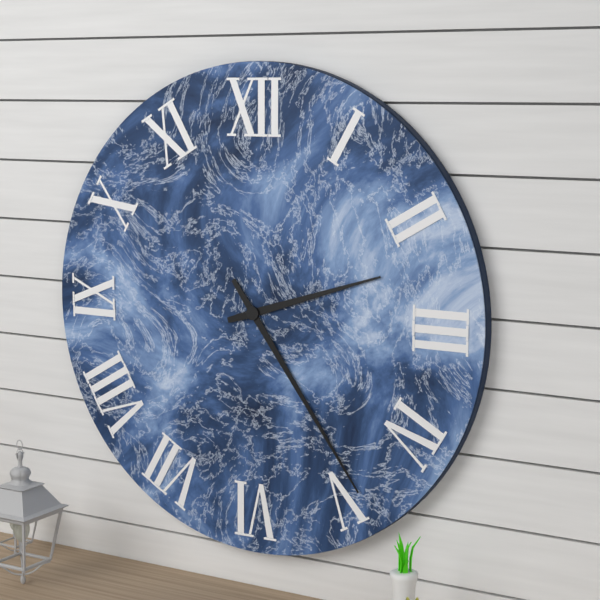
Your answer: 2,24
